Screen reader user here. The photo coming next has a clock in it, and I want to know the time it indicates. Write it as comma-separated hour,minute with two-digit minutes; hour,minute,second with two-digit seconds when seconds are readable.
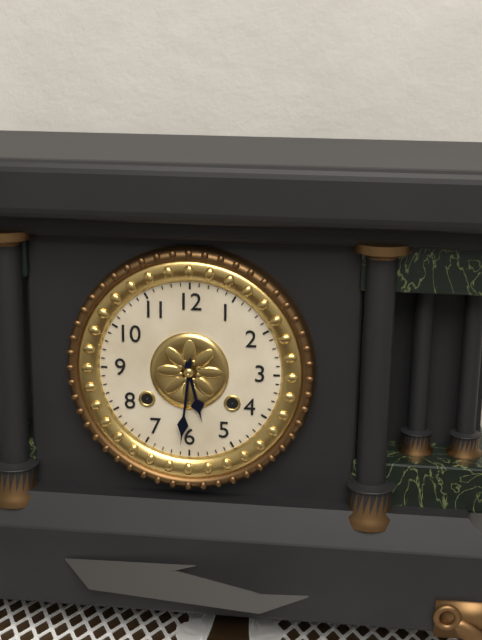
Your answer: 5,31
